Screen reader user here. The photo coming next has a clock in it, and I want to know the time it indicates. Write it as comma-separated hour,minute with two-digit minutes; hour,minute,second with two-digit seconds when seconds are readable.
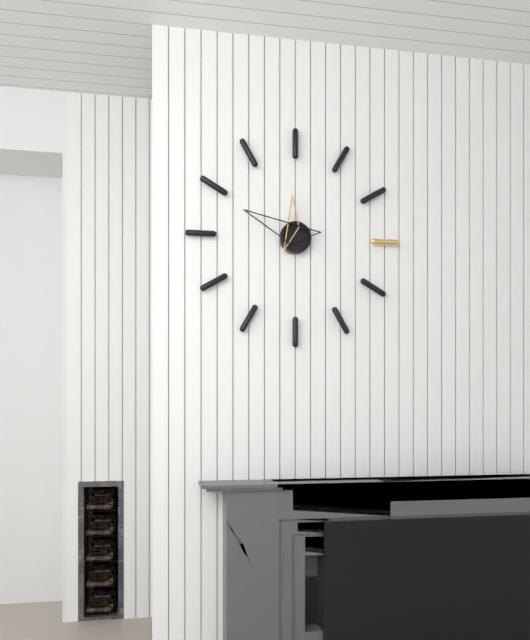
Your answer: 11,49
